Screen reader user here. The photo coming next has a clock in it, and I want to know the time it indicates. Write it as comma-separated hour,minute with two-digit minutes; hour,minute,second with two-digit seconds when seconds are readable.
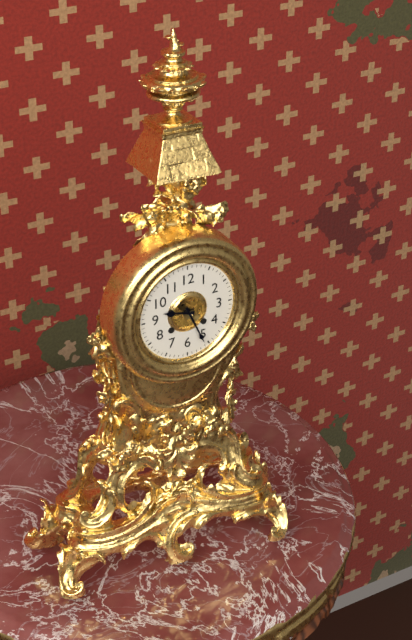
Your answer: 9,26
